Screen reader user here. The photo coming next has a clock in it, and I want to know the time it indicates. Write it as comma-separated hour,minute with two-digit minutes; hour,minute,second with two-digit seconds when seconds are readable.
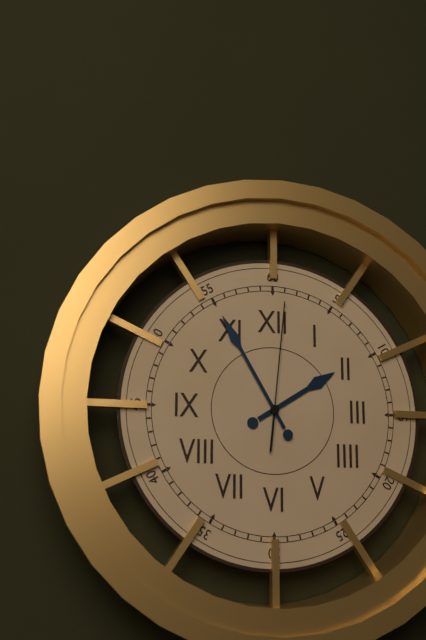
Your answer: 1,55,01
